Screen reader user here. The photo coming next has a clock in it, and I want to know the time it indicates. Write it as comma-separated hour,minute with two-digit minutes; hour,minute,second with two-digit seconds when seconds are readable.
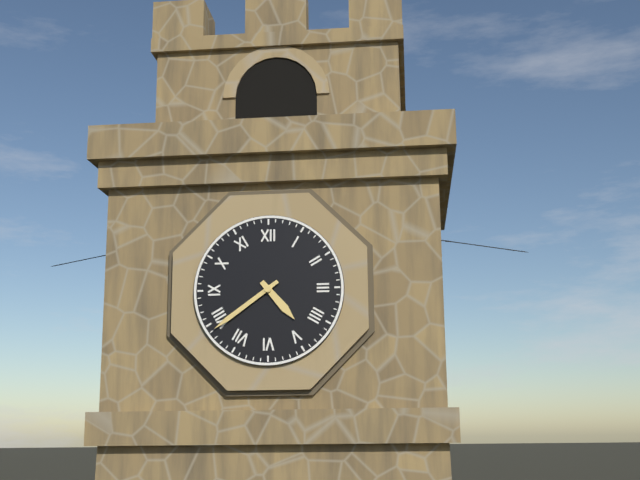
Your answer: 4,39
